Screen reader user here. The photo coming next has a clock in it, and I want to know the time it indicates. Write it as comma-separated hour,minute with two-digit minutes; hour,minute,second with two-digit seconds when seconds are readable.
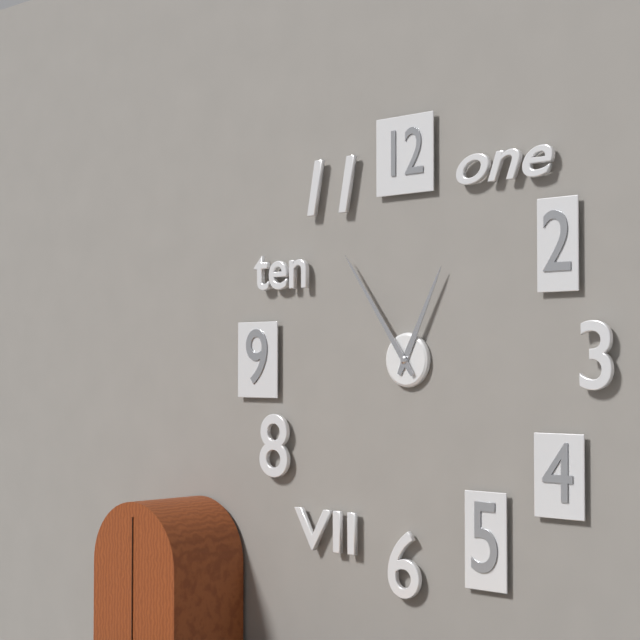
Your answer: 12,54
